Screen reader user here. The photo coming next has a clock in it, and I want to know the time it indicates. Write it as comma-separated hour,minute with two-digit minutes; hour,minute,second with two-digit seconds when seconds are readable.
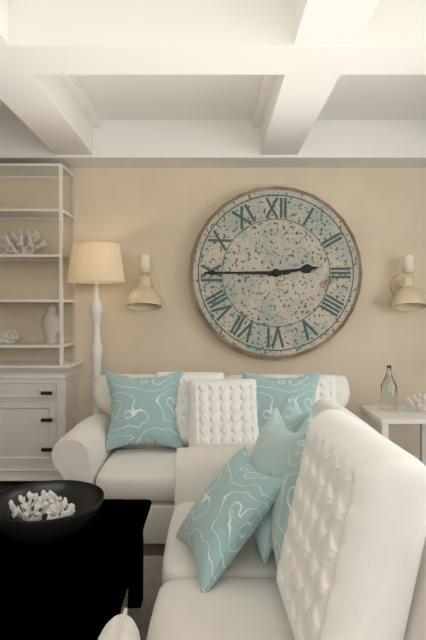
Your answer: 2,45
